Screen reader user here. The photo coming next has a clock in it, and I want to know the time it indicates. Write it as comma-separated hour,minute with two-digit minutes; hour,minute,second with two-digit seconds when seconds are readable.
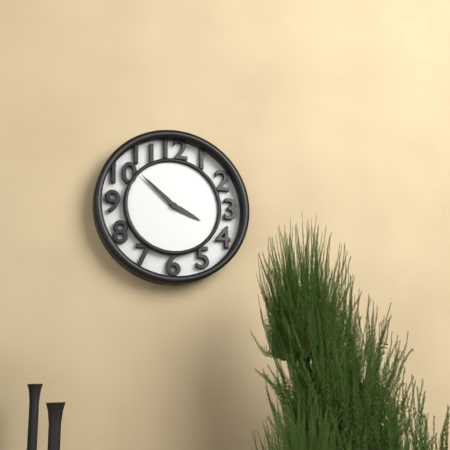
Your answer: 3,52
